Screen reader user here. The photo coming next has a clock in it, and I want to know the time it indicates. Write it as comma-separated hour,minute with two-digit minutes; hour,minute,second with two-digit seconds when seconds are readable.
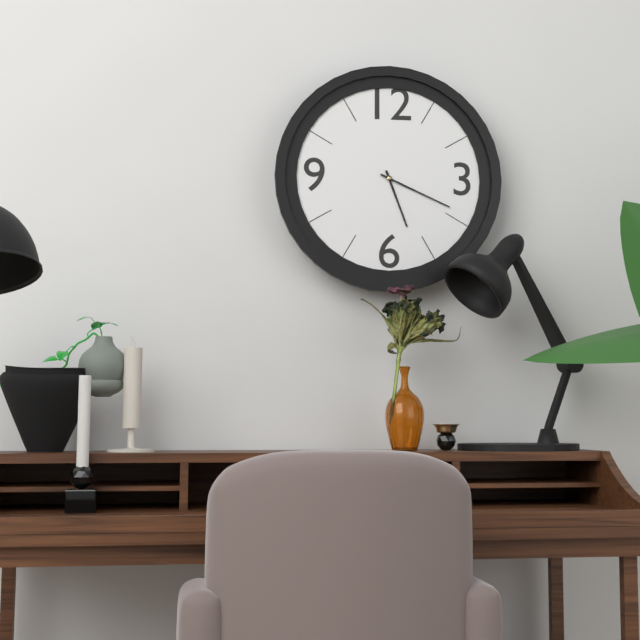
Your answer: 5,19
